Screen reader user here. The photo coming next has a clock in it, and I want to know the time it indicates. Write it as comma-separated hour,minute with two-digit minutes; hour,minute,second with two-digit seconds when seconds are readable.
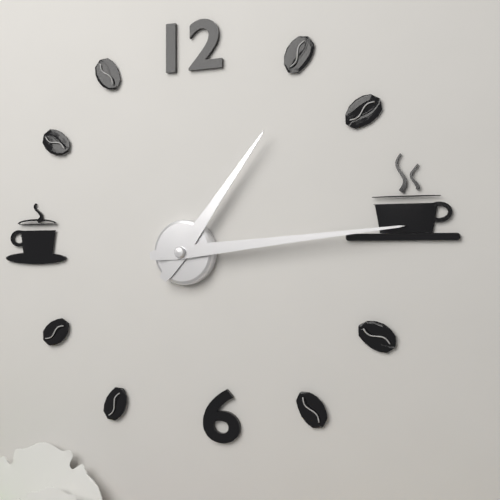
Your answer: 1,14
